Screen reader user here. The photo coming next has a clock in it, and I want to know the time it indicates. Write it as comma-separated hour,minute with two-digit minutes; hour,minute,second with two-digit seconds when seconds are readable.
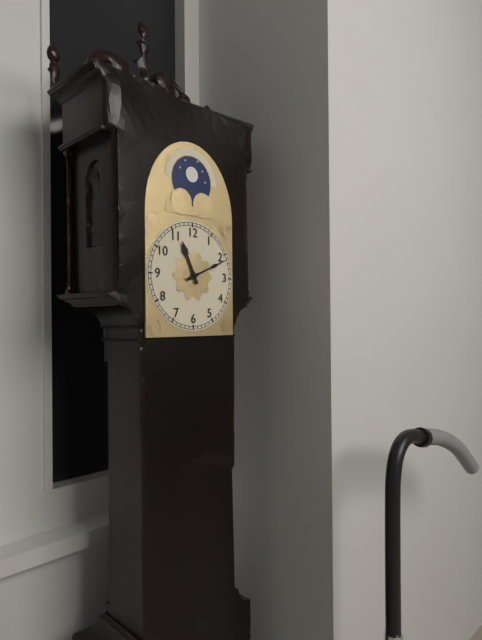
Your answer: 11,11
